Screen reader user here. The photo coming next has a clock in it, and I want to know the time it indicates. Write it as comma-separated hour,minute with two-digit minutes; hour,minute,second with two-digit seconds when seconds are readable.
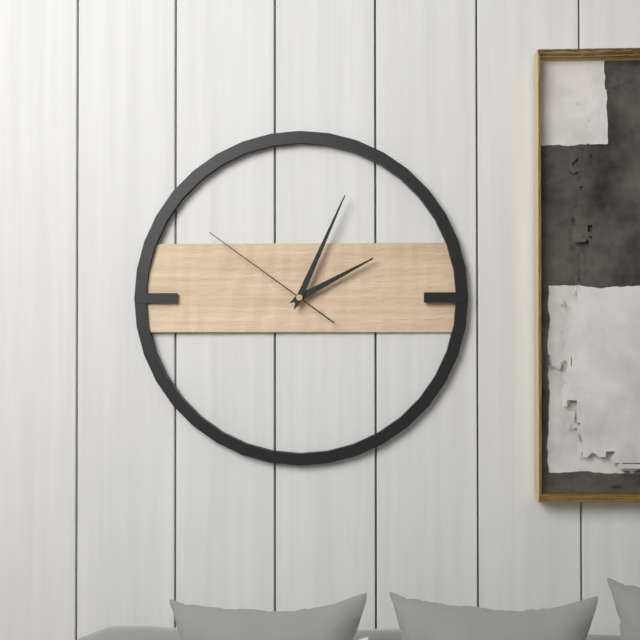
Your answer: 2,04,51
